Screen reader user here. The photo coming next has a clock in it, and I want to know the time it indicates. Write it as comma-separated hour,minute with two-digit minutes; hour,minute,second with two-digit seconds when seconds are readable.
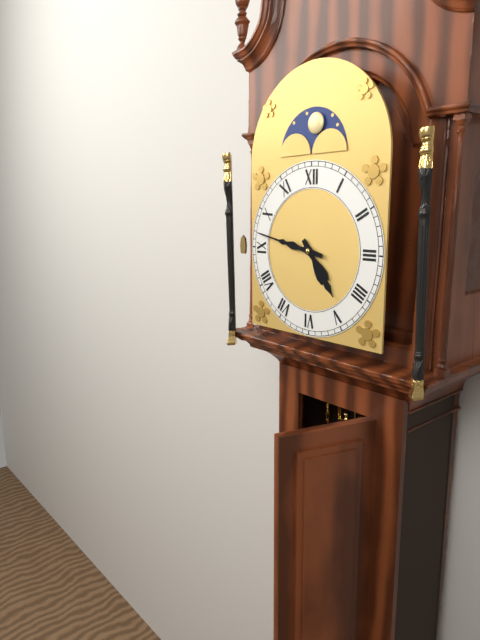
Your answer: 4,47
